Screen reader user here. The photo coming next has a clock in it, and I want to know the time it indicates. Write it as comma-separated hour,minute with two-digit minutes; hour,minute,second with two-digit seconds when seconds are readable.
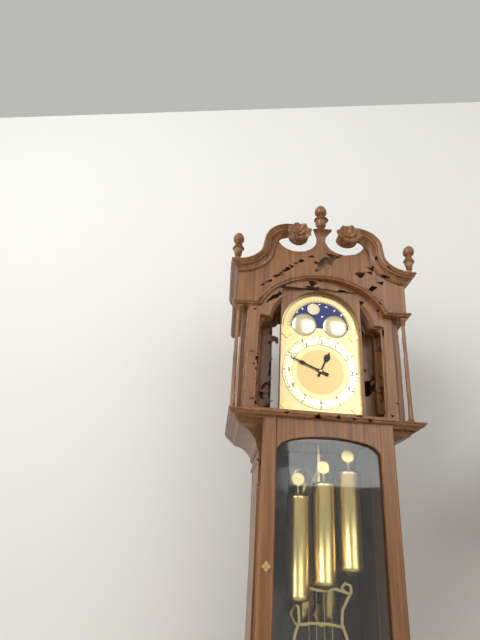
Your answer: 12,49
